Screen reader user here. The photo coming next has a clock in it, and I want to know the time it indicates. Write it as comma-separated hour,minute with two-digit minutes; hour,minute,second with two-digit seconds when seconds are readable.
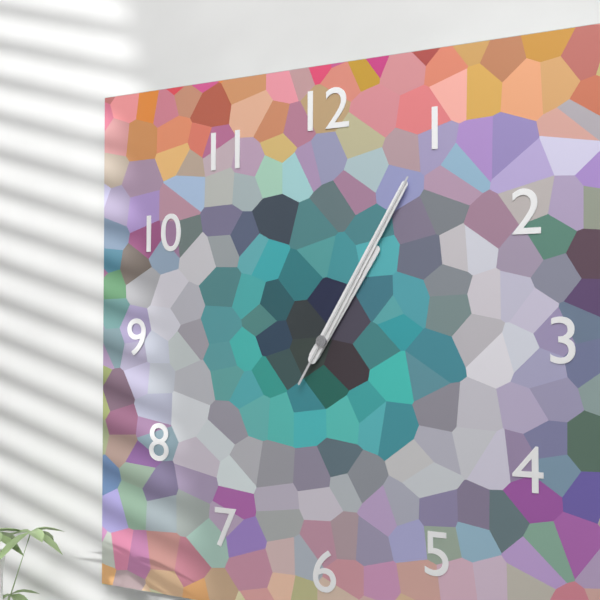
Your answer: 1,05,05
